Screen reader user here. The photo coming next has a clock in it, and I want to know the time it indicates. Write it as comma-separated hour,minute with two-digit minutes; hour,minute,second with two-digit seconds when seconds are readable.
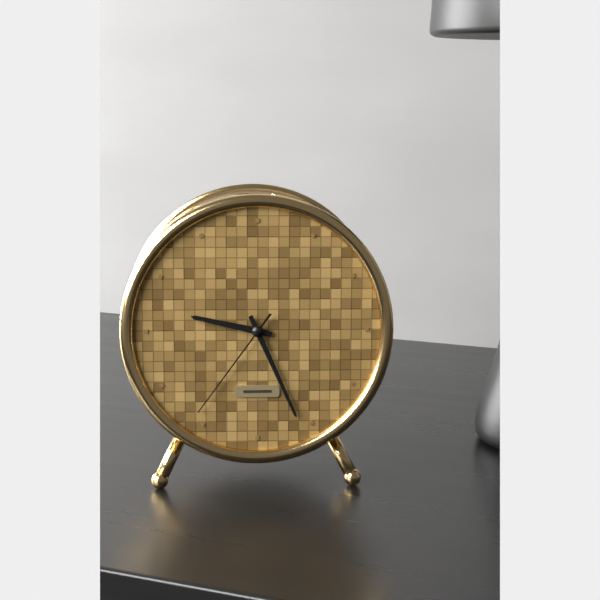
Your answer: 9,26,36
